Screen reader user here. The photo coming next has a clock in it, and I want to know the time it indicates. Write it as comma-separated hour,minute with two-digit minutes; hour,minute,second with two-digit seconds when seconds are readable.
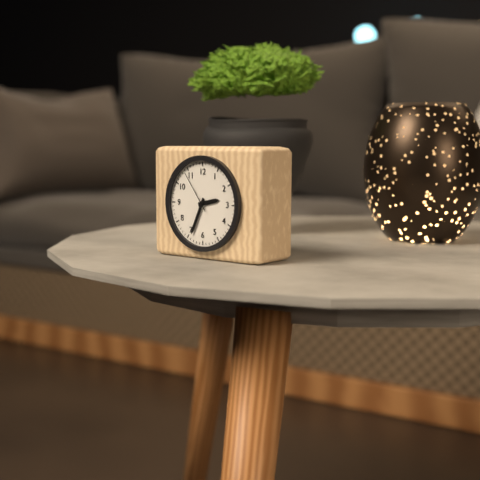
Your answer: 2,34
